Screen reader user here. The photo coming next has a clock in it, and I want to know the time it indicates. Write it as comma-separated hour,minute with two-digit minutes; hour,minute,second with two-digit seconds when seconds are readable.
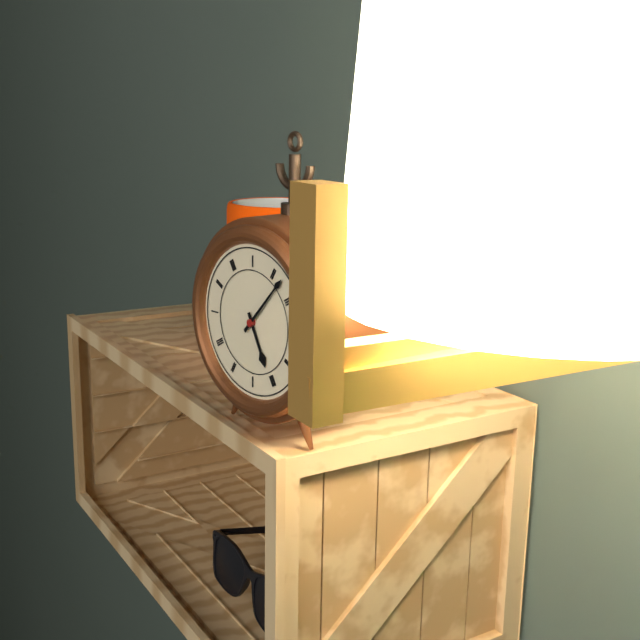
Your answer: 5,07
